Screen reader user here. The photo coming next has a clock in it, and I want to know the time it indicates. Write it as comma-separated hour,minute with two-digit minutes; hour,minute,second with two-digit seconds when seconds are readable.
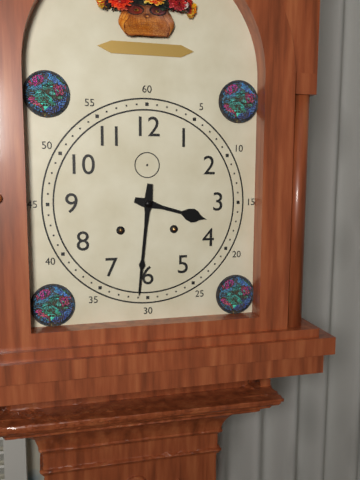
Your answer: 3,31
